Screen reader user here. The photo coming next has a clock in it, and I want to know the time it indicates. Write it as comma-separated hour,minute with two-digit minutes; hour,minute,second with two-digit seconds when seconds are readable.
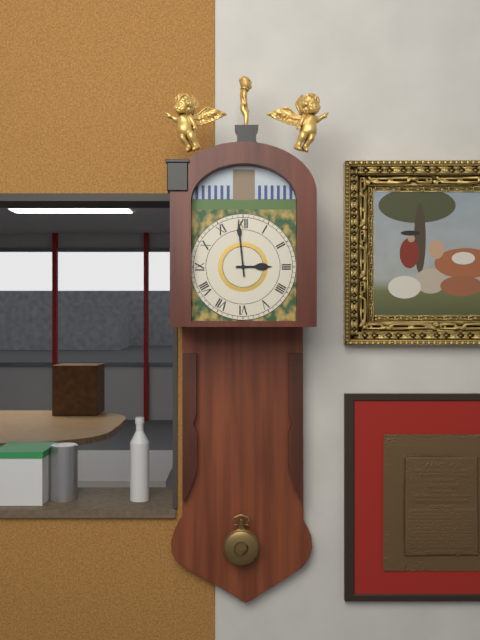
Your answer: 2,59
